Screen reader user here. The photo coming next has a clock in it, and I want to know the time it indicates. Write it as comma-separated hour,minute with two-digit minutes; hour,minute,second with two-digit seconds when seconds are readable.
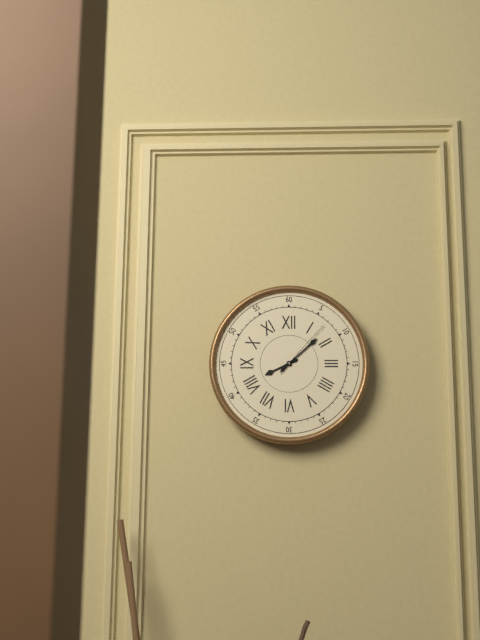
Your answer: 8,08,07
